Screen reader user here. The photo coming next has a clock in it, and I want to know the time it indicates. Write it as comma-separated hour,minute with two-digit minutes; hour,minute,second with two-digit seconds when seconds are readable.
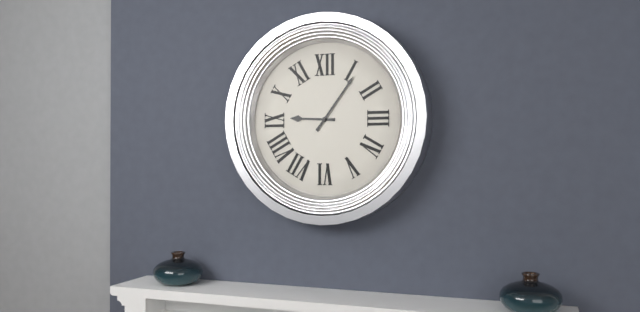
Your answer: 9,06
